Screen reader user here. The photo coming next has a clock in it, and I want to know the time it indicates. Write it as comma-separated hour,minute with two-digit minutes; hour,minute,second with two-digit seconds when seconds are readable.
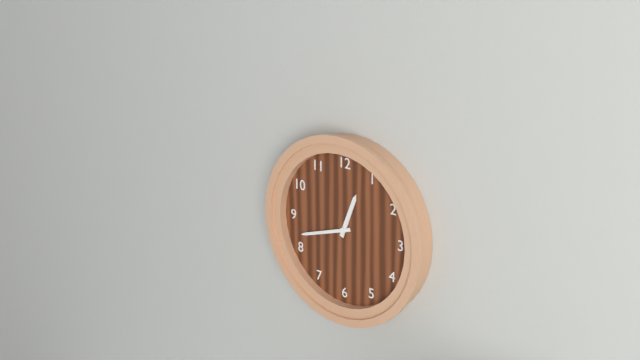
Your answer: 12,42
